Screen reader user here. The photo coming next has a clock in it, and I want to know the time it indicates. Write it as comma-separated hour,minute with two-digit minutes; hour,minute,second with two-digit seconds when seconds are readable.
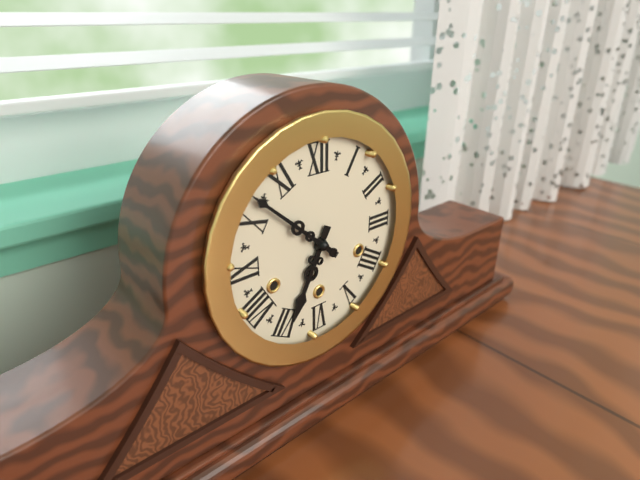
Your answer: 6,52
